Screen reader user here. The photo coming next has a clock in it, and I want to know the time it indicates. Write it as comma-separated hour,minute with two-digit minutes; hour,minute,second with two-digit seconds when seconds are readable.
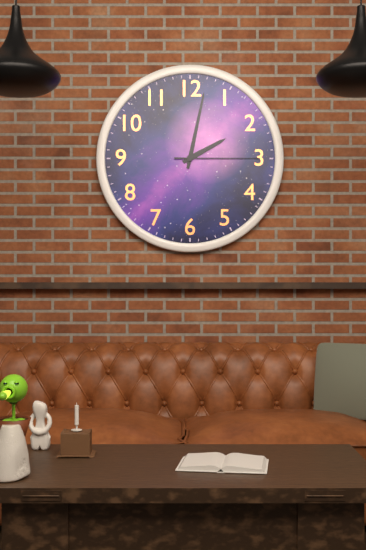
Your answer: 2,02,15
